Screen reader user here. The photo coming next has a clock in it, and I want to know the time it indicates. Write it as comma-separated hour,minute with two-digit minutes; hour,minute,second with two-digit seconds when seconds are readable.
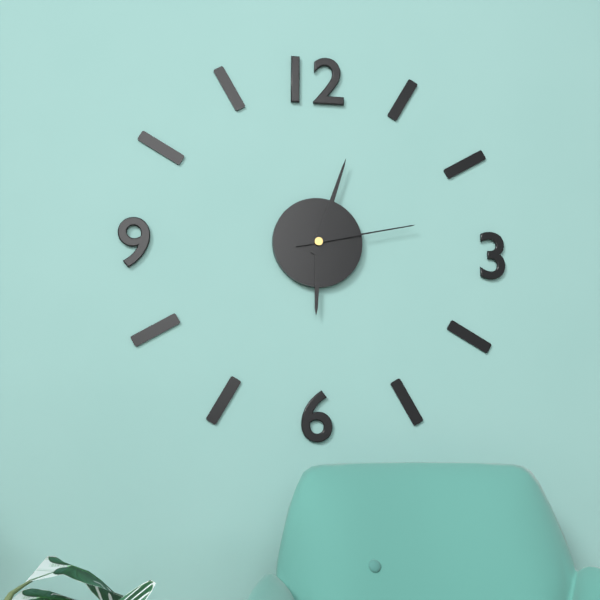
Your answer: 6,03,13
